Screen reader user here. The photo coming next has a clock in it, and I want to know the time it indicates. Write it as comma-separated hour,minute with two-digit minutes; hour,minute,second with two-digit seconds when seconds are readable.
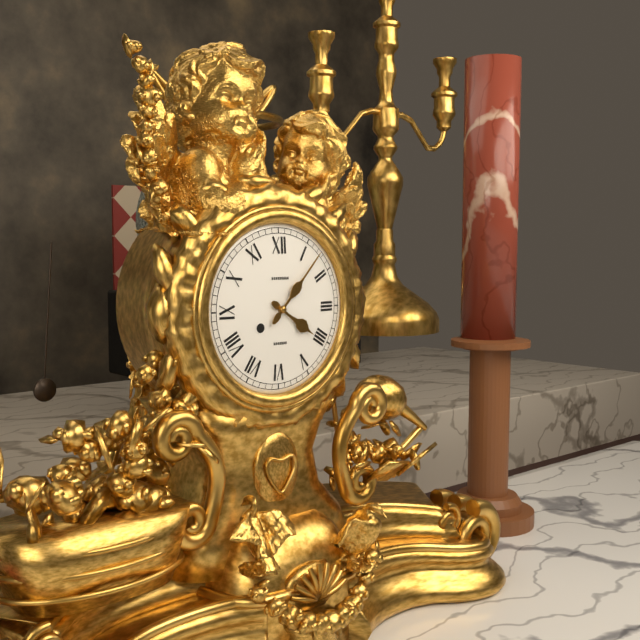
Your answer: 4,07
